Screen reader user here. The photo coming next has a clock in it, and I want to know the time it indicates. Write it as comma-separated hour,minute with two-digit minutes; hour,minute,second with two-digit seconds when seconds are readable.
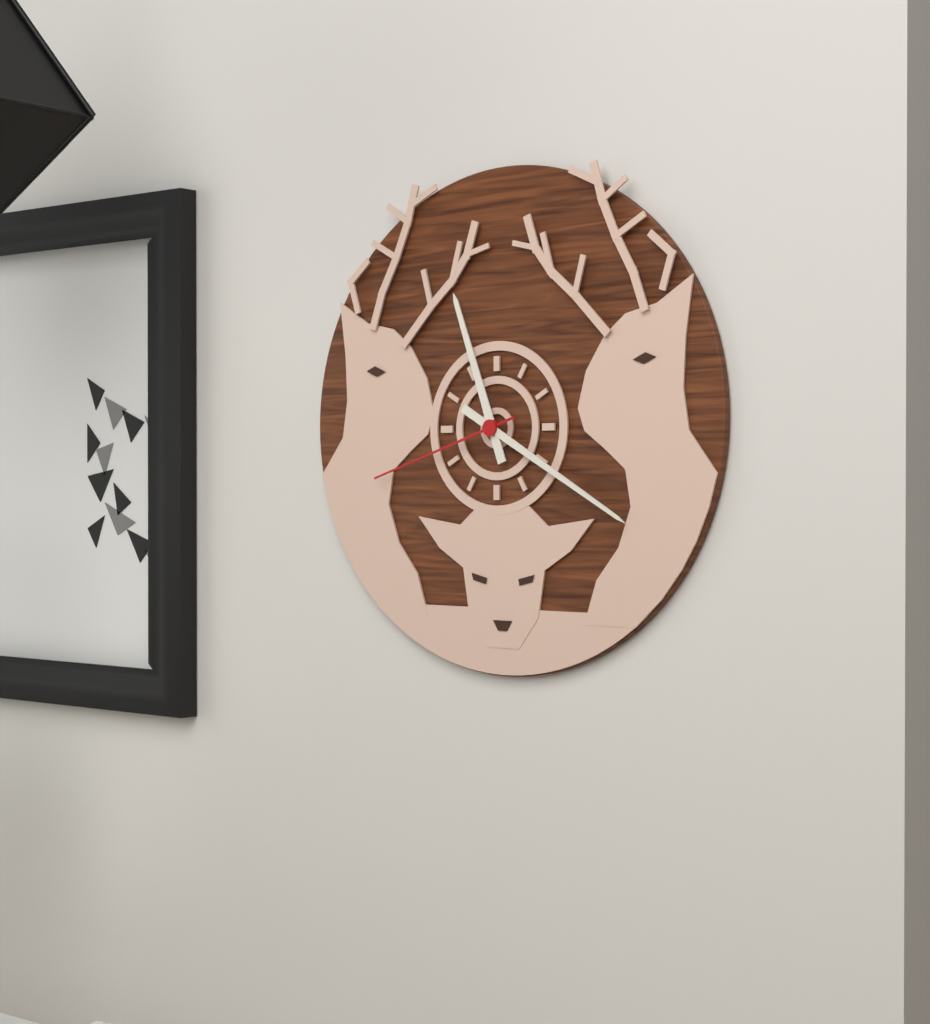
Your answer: 11,20,42
